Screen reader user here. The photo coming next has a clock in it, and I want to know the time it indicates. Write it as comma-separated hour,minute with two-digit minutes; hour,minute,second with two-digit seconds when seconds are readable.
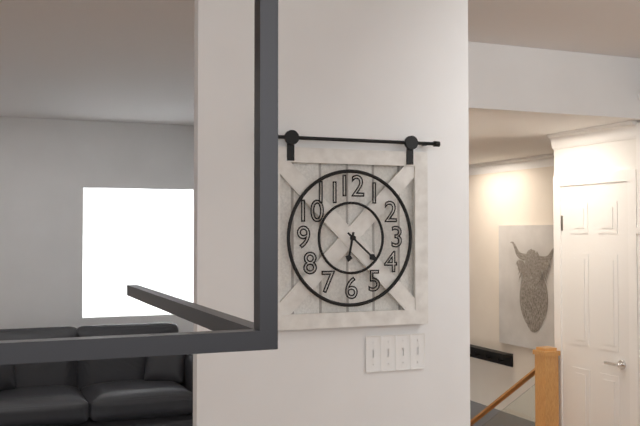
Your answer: 6,22
